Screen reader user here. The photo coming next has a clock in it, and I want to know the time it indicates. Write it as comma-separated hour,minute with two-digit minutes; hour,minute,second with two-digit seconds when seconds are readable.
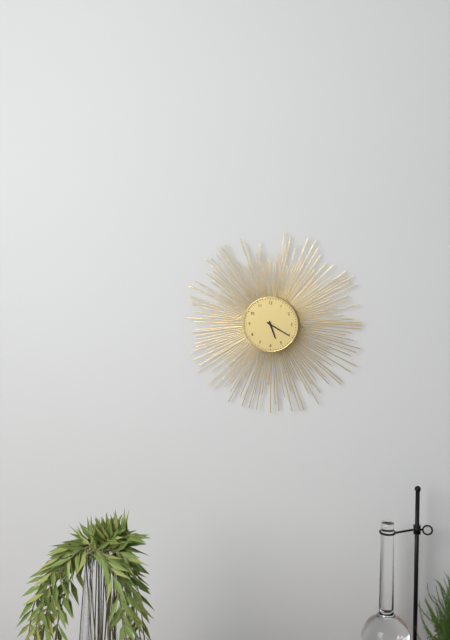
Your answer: 5,20
